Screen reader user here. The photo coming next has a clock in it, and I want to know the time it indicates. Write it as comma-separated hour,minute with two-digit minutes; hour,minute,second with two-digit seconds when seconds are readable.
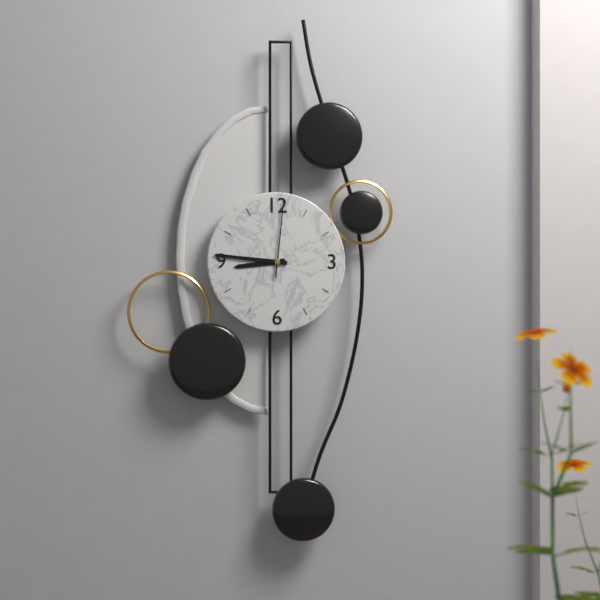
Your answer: 8,46,01
